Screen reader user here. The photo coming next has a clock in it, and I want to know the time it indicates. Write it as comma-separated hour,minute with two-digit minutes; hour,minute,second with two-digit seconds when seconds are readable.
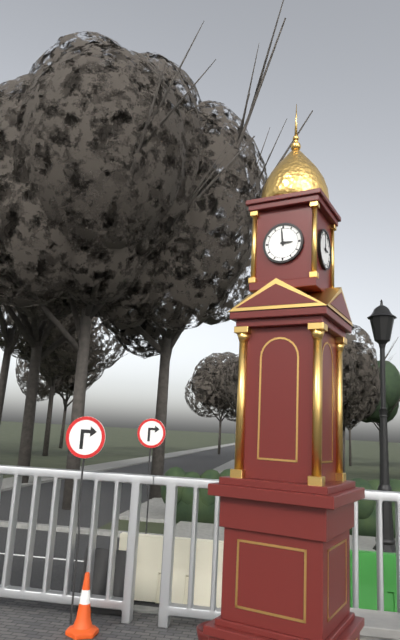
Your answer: 2,59
